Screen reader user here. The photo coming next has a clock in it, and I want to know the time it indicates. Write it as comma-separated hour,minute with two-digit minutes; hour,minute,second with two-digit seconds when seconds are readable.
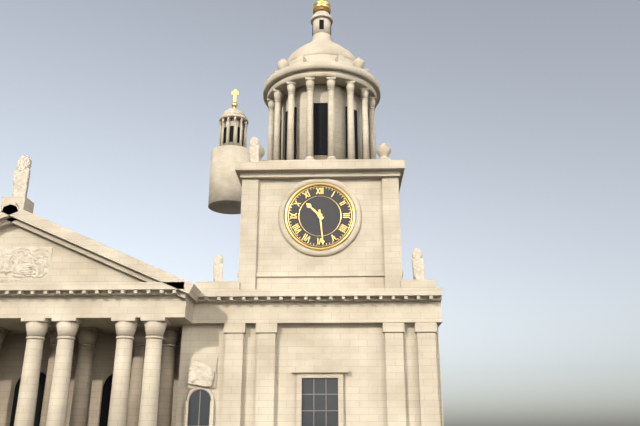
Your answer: 10,29
